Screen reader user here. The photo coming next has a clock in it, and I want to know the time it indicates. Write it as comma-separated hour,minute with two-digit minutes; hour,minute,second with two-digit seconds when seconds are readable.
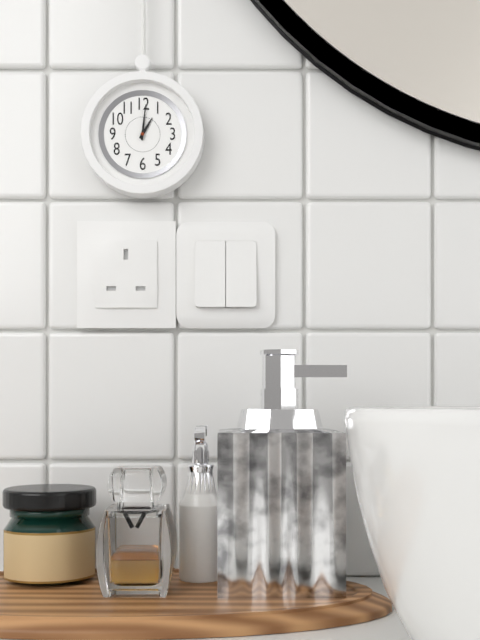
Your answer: 1,01
